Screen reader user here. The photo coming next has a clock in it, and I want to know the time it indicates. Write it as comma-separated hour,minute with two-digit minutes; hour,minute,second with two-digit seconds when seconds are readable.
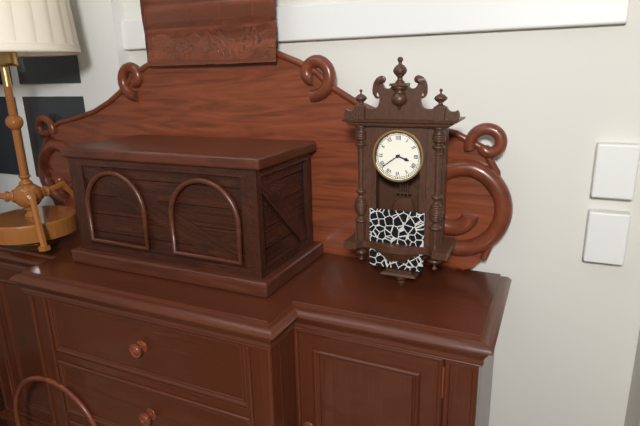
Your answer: 3,39
